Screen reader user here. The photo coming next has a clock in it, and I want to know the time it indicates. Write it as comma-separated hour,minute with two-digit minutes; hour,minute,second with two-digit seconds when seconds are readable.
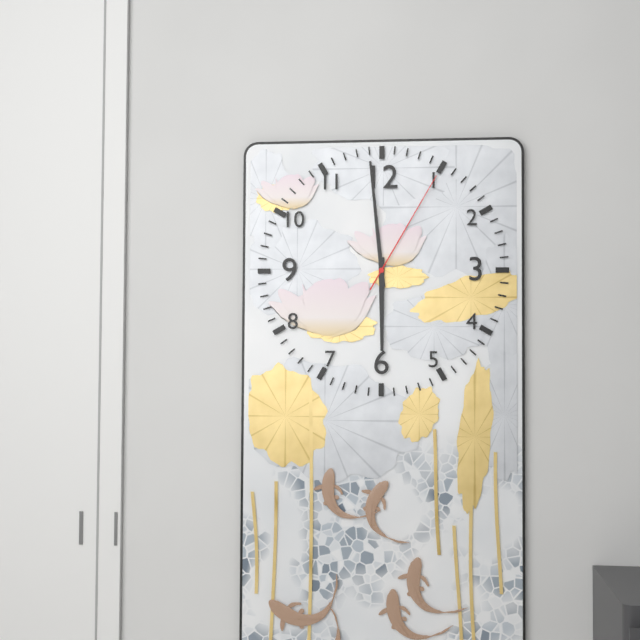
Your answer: 5,59,05
